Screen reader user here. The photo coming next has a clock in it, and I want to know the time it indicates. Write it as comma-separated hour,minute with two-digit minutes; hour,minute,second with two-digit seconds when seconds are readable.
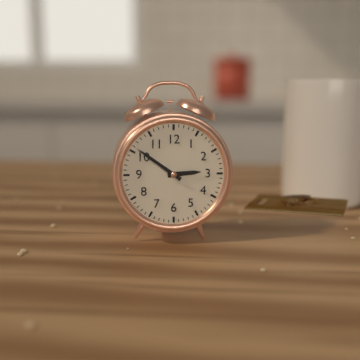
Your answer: 2,51
